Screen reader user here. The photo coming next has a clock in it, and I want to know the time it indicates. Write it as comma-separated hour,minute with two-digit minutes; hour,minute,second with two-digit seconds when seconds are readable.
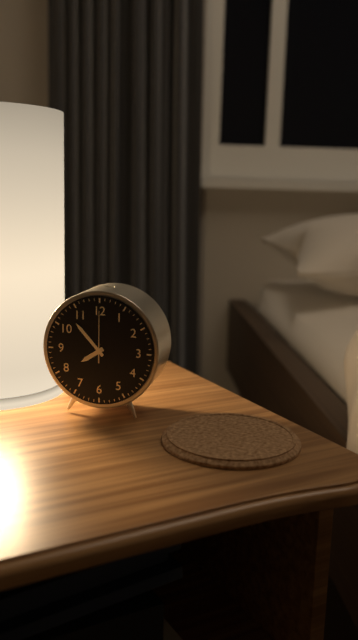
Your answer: 7,53,00
